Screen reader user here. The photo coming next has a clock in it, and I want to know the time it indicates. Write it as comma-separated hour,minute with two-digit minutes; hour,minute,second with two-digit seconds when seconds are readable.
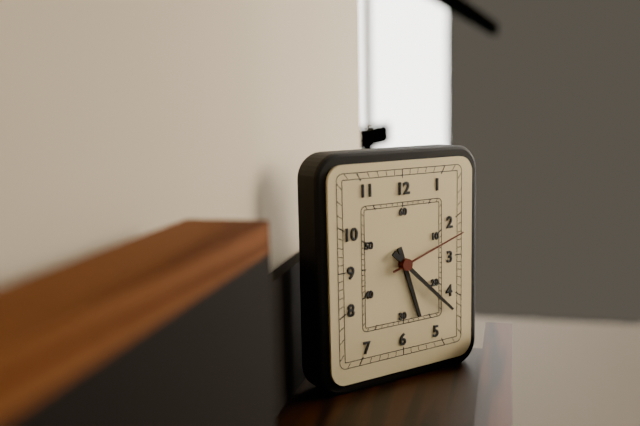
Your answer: 5,22,12
